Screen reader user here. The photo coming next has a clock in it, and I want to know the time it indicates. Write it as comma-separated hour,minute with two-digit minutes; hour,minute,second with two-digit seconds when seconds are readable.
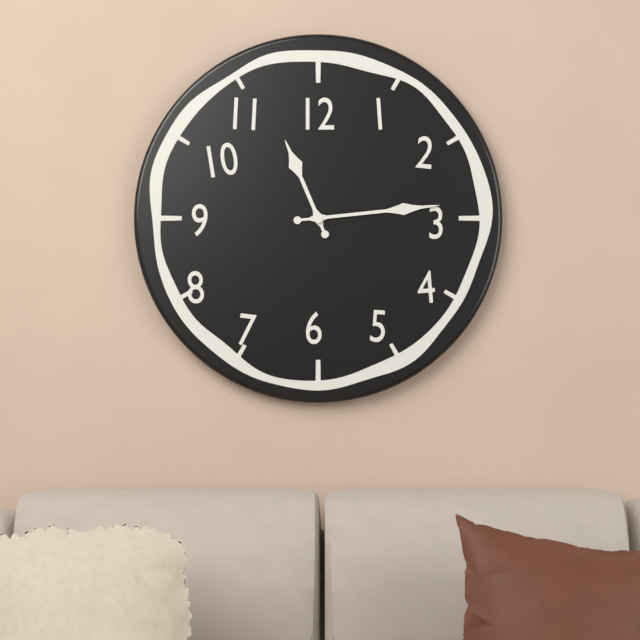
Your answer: 11,14
